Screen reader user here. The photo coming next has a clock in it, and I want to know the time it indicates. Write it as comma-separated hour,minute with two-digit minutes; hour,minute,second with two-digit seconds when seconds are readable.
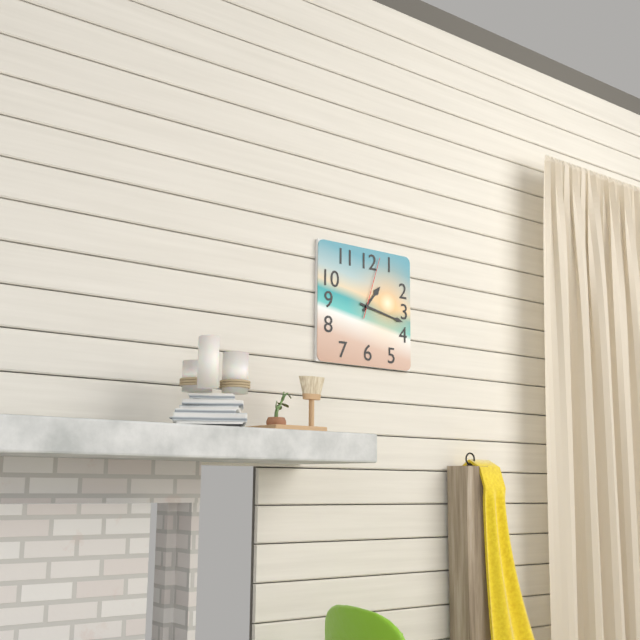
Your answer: 1,17,03
